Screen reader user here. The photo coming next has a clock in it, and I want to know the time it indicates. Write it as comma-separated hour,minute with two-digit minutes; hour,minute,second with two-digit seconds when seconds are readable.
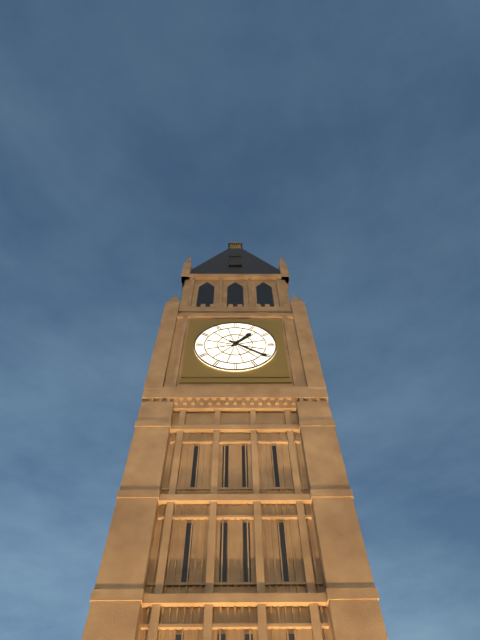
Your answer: 1,21
